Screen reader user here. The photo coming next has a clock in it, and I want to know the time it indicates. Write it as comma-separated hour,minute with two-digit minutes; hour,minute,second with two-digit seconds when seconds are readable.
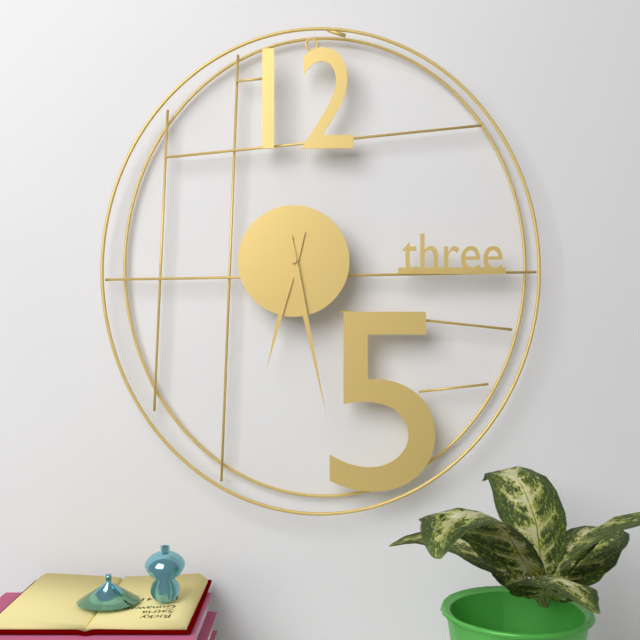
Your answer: 6,28
